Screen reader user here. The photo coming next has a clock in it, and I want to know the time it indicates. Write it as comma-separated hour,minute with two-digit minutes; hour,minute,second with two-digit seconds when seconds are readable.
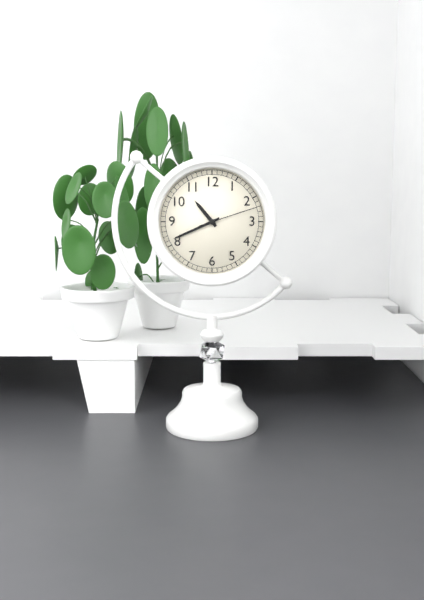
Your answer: 10,41,12
